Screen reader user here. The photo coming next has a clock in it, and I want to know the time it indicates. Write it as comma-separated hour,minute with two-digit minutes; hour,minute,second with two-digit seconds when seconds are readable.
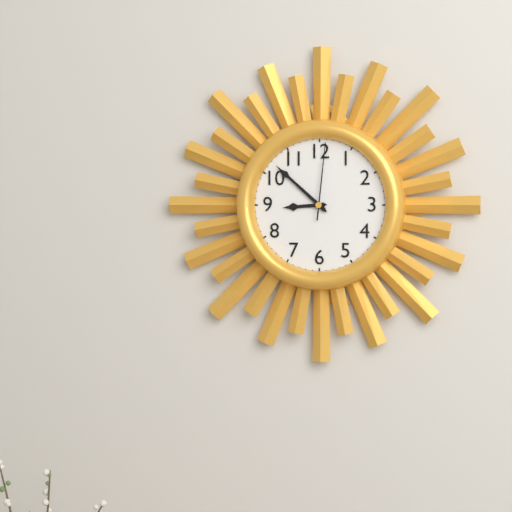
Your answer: 8,52,01
